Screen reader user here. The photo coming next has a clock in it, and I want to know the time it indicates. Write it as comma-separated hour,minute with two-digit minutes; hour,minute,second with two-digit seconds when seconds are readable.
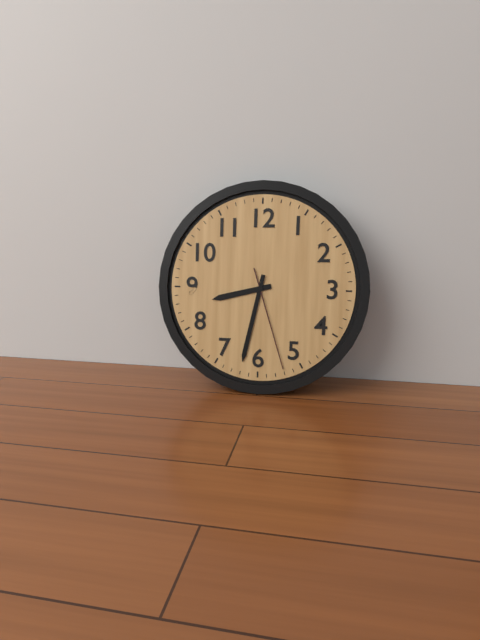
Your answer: 8,32,27
